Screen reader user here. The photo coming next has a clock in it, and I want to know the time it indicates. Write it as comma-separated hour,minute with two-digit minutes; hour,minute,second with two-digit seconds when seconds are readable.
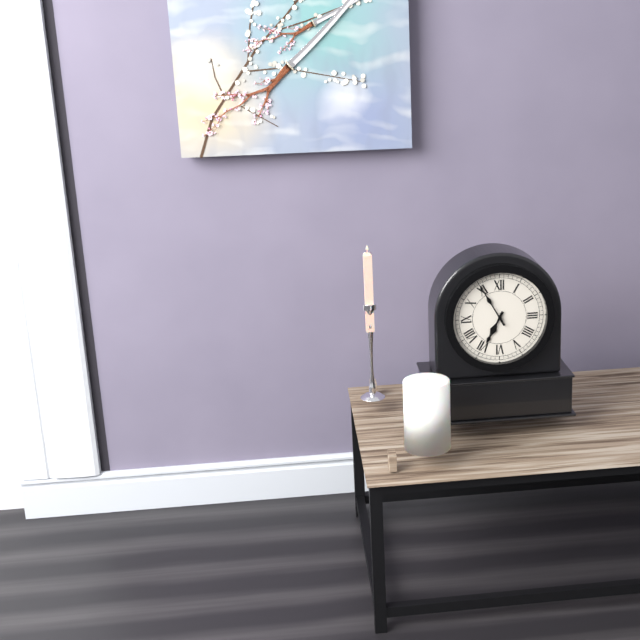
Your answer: 6,55
